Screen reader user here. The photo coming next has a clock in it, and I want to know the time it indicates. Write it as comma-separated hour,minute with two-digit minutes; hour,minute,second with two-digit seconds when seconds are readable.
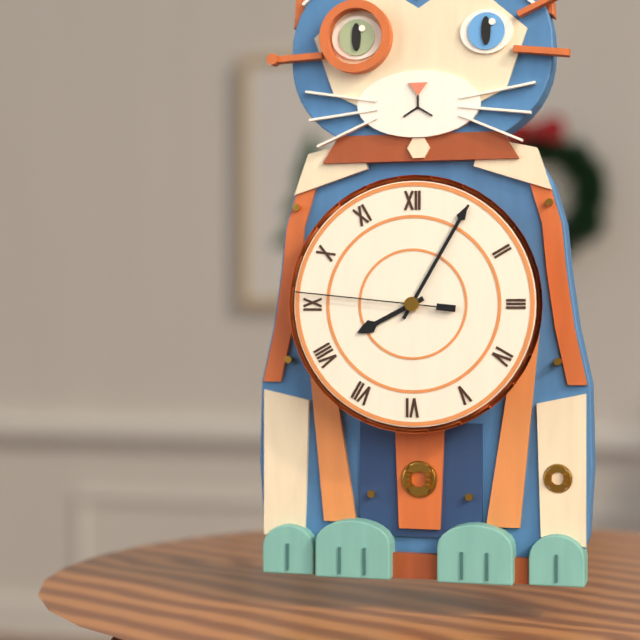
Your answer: 8,05,46
